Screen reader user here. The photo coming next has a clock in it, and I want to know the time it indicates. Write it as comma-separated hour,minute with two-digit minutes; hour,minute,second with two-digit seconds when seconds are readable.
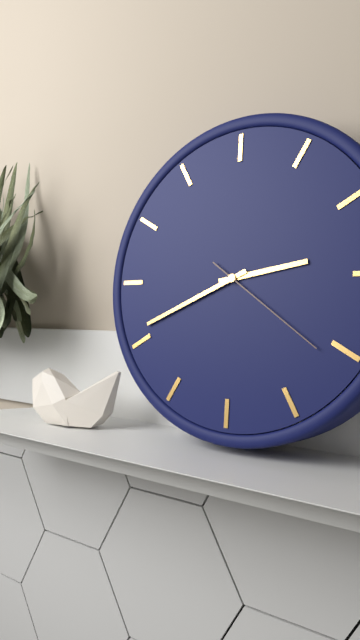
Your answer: 2,41,21
